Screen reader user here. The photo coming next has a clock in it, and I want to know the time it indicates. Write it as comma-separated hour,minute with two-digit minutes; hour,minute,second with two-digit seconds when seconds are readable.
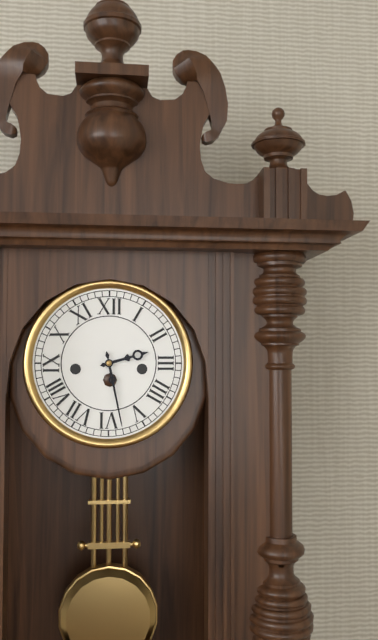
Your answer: 2,28
